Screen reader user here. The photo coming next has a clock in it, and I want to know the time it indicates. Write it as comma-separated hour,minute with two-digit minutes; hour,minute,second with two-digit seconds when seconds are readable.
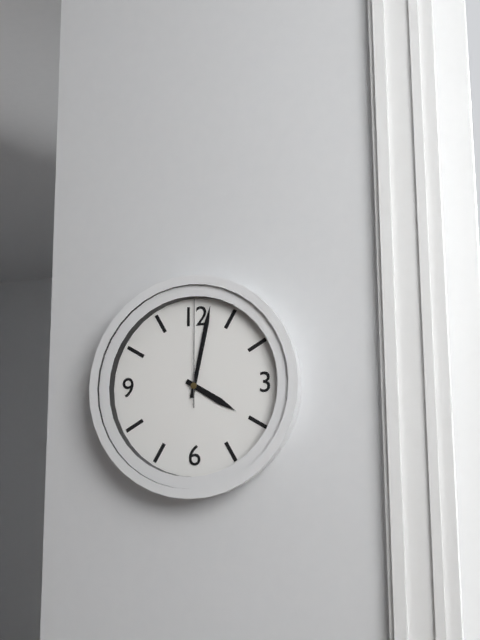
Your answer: 4,02,00
